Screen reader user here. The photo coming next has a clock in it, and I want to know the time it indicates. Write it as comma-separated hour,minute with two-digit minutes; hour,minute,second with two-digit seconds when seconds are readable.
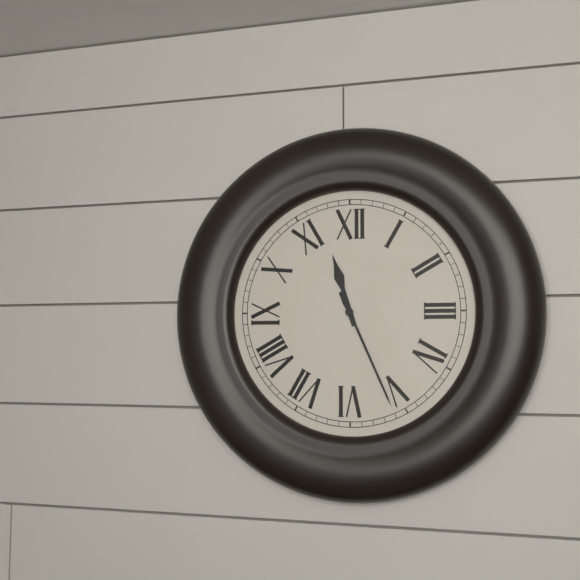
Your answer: 11,26
